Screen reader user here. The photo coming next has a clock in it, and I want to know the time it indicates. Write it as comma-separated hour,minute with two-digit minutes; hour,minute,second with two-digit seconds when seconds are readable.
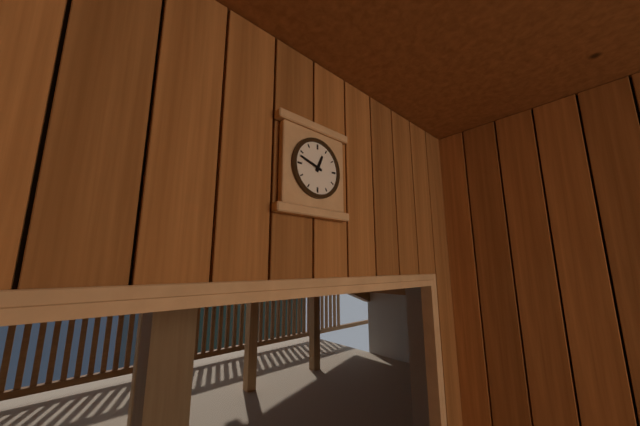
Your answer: 12,48
